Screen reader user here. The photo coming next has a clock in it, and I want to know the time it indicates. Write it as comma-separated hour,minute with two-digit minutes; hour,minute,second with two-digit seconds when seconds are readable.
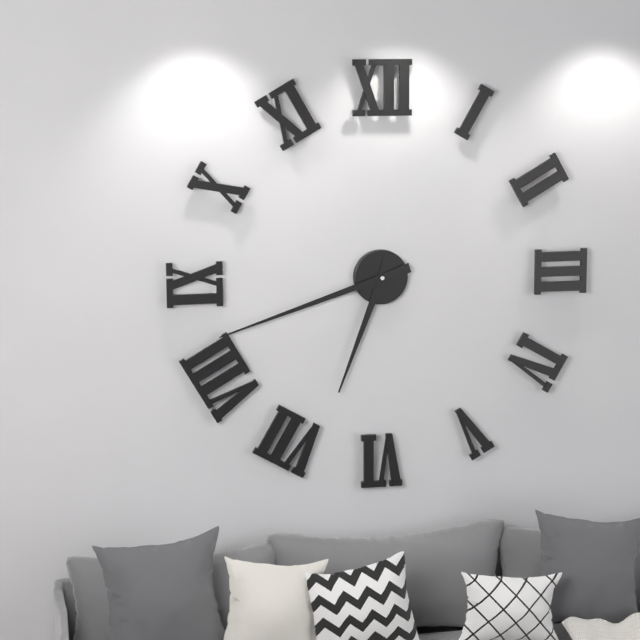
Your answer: 6,42
